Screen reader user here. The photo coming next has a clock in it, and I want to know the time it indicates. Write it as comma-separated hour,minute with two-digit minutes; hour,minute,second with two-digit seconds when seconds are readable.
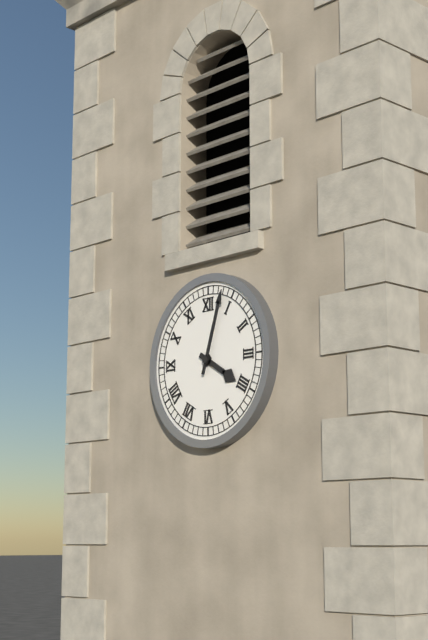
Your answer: 4,03
